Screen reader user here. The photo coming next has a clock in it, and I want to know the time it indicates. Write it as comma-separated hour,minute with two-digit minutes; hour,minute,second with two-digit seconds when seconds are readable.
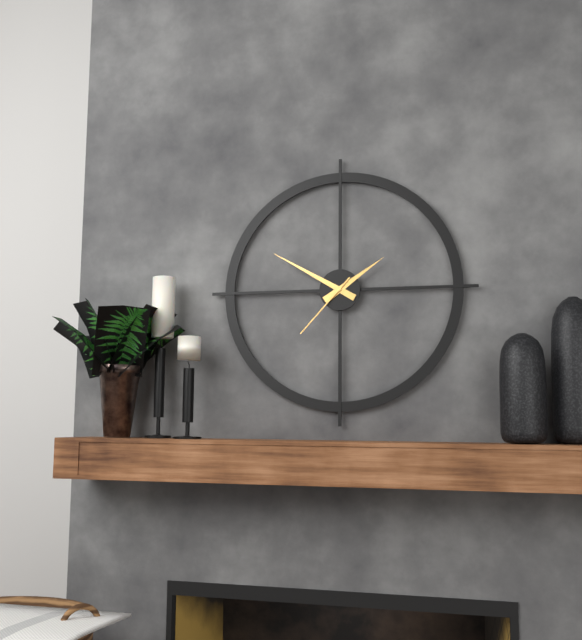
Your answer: 1,50,37
